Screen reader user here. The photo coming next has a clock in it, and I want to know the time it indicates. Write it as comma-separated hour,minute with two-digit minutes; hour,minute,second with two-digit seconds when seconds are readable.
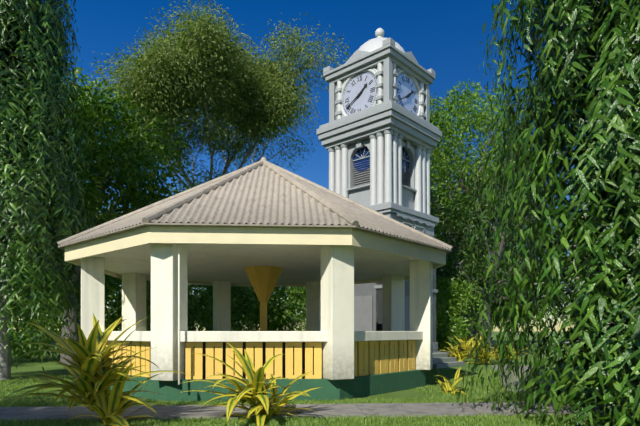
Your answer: 1,40
